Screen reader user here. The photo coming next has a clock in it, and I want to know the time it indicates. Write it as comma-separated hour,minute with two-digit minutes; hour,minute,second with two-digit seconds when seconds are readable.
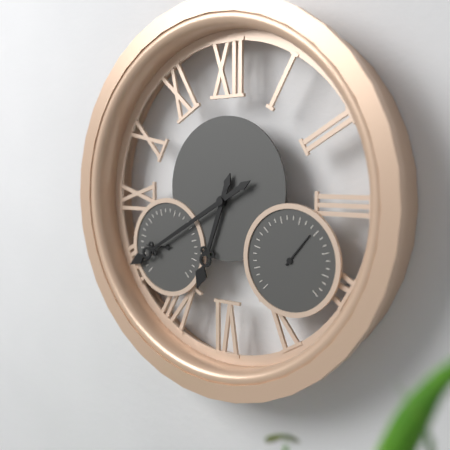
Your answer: 6,40
